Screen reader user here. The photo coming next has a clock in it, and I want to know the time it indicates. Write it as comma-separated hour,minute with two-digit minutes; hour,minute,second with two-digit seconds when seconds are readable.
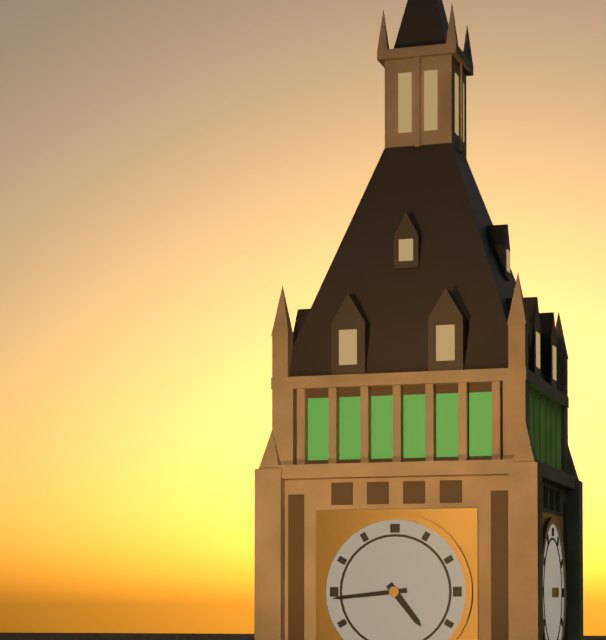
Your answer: 4,44
